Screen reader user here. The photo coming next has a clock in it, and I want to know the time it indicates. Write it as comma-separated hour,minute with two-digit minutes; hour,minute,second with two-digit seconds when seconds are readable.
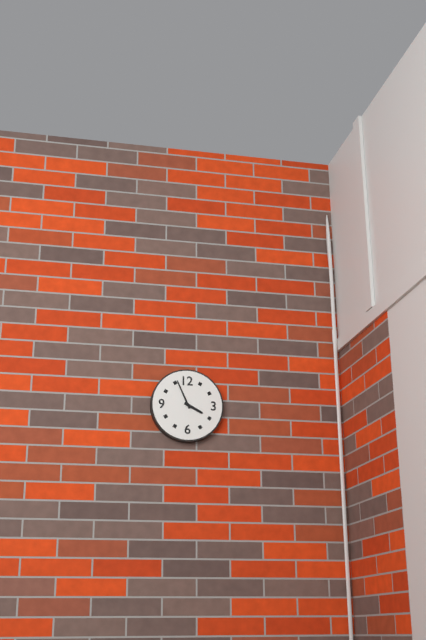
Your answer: 3,56
